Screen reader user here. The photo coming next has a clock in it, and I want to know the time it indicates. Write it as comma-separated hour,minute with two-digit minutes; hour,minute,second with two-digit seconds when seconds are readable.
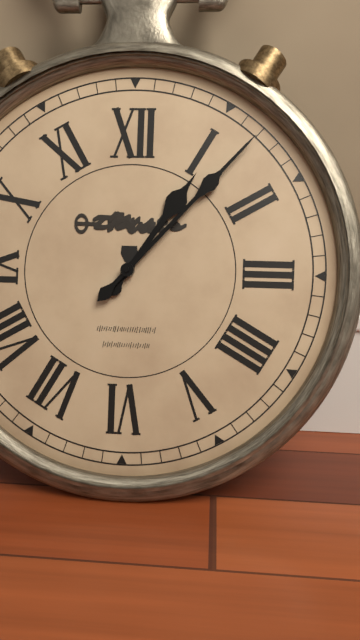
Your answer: 1,07
